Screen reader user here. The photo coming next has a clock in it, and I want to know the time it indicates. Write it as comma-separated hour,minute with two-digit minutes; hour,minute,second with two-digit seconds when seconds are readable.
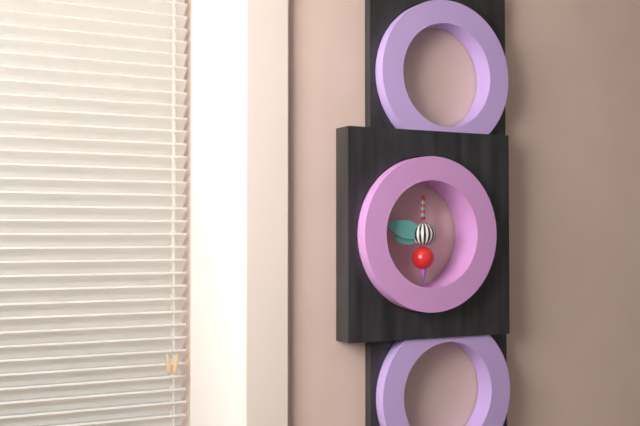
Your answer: 8,47
